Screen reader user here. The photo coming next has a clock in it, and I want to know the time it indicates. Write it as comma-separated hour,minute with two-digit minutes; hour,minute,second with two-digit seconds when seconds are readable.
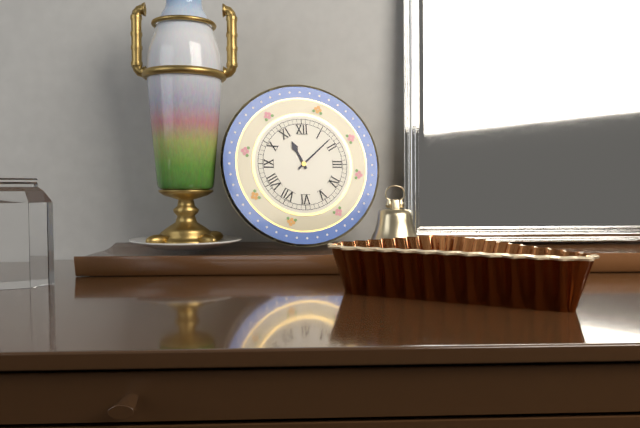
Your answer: 11,08
